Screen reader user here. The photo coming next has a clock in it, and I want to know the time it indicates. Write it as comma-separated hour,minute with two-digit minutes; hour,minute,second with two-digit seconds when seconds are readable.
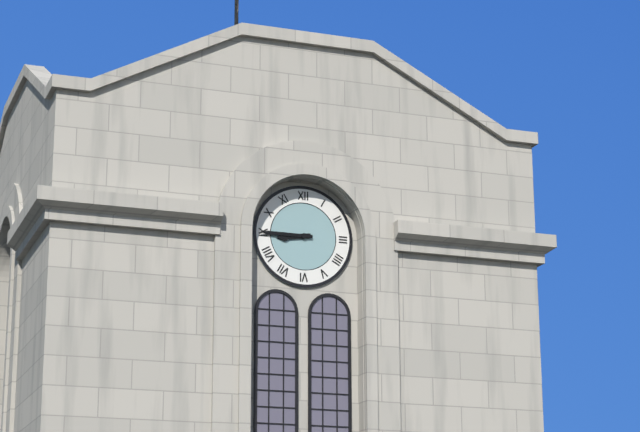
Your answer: 8,45
